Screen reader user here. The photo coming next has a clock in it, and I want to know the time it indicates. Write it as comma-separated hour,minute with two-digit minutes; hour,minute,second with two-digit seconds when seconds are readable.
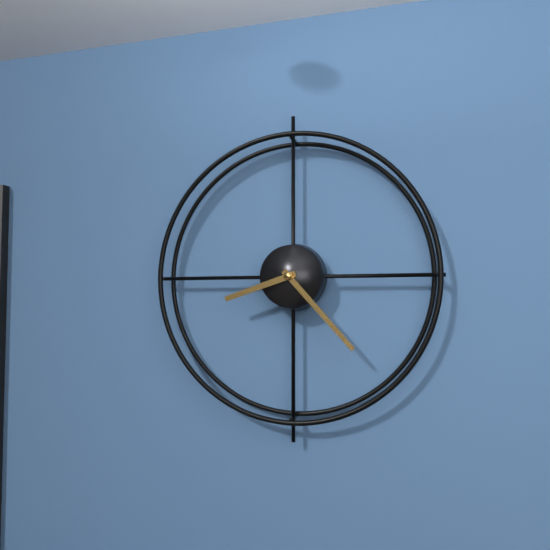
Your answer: 8,23
